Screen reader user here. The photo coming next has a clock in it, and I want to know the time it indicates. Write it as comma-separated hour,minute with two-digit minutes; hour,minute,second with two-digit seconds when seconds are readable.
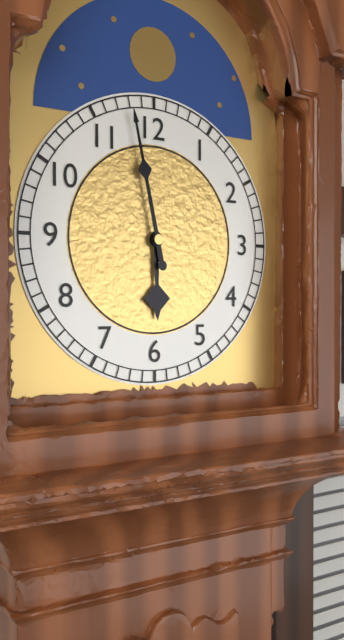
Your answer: 5,58
